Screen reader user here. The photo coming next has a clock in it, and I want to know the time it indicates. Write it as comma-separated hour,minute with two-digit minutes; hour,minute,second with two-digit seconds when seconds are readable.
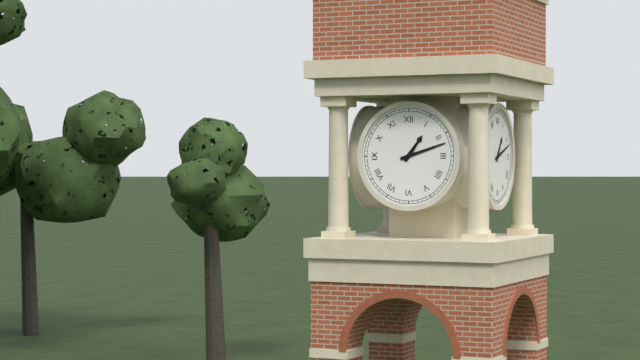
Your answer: 1,12
